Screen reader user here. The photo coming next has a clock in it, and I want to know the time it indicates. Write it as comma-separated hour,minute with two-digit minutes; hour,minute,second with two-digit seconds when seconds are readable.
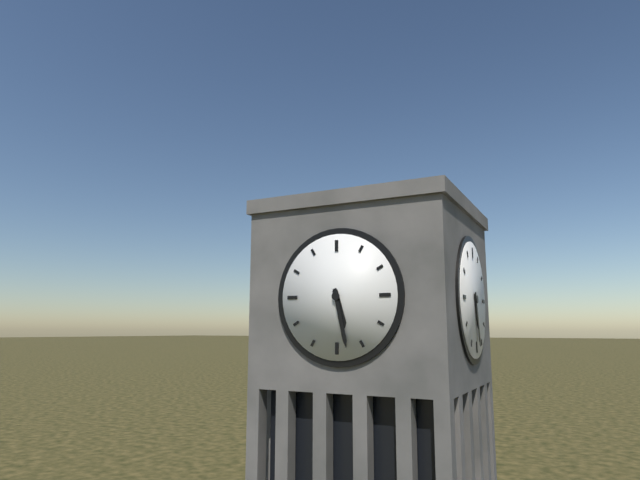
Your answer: 5,28
